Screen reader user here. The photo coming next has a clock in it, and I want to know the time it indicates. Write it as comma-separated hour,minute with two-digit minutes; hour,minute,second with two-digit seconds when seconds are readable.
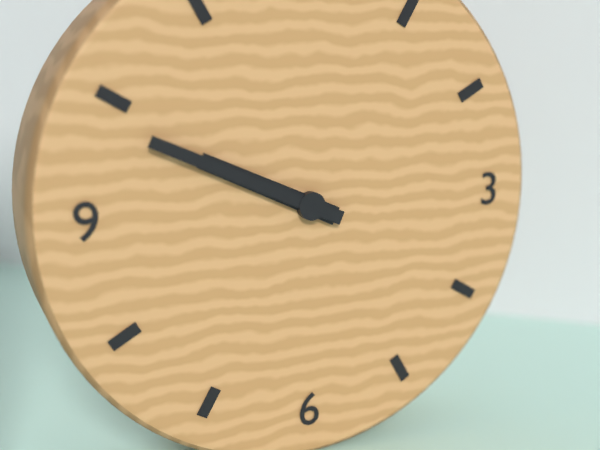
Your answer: 9,49
